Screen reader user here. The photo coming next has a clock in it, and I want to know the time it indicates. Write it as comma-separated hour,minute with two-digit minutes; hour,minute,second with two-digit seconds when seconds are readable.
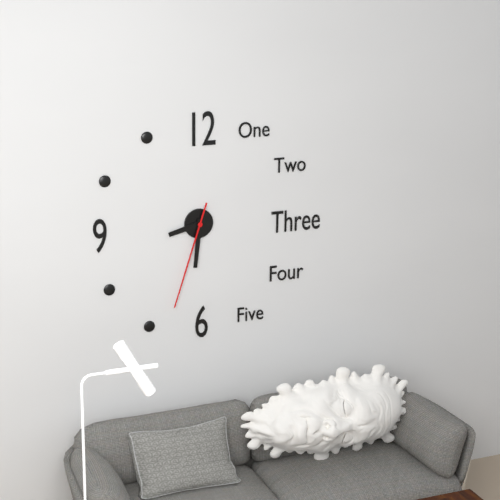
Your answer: 8,31,33
